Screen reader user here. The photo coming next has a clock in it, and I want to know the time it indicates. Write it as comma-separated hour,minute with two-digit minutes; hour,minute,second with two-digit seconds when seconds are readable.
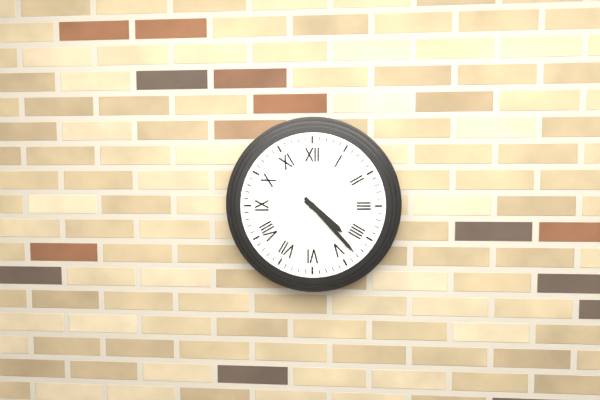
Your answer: 4,23
